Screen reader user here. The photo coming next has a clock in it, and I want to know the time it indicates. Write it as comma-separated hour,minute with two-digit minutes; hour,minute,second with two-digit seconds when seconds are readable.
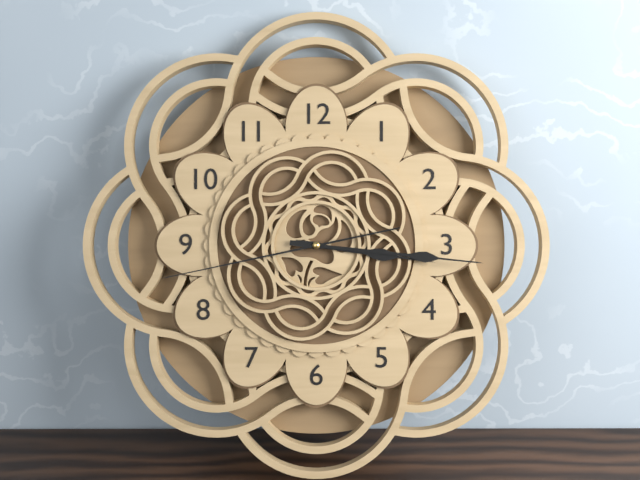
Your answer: 3,16,43
